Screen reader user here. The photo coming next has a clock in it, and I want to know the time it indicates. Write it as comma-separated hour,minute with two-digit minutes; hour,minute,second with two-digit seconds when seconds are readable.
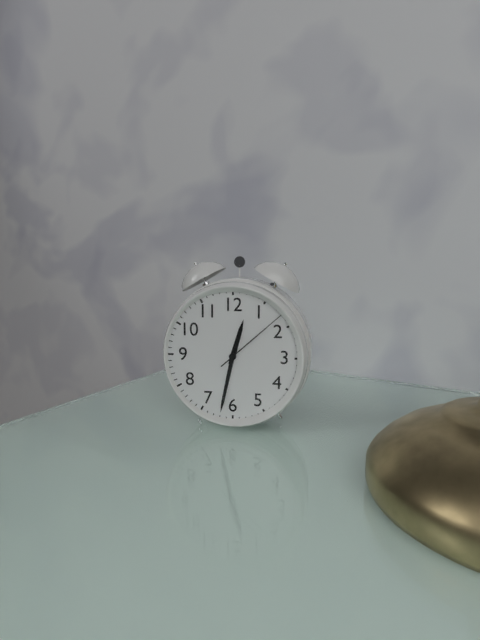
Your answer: 12,32,08
